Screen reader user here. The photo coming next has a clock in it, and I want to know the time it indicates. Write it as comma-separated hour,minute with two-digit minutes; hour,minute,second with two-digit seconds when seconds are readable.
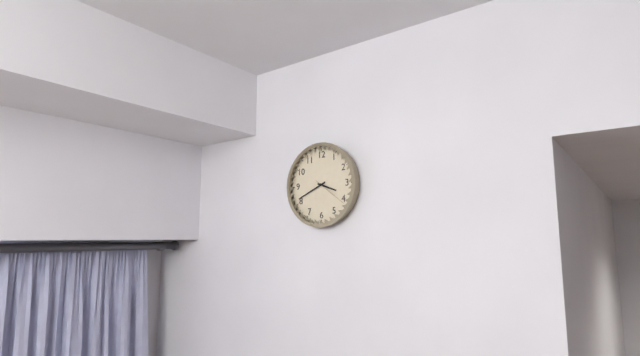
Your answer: 3,41
